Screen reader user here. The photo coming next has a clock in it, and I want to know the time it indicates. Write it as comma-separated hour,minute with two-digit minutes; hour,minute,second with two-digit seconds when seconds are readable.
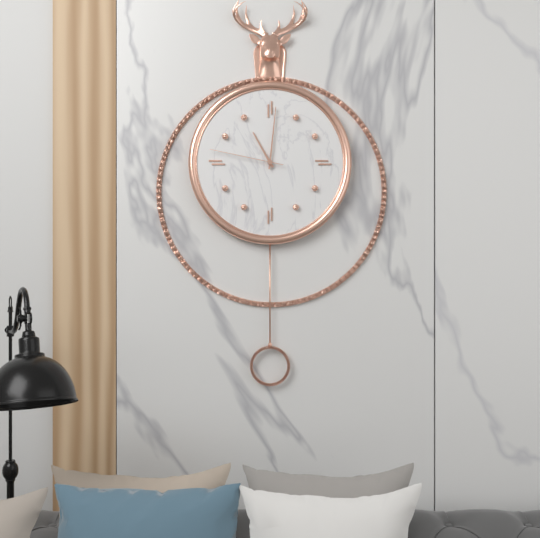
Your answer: 11,01,47
